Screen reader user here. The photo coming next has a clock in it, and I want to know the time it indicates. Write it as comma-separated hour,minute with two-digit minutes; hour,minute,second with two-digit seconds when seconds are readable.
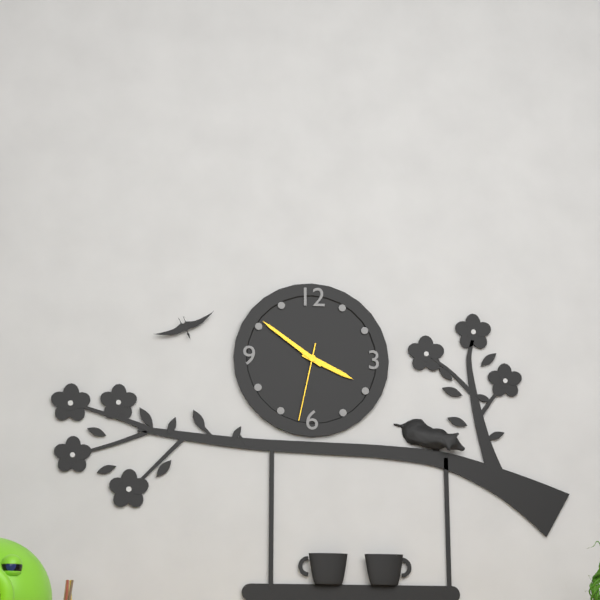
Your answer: 3,51,32
